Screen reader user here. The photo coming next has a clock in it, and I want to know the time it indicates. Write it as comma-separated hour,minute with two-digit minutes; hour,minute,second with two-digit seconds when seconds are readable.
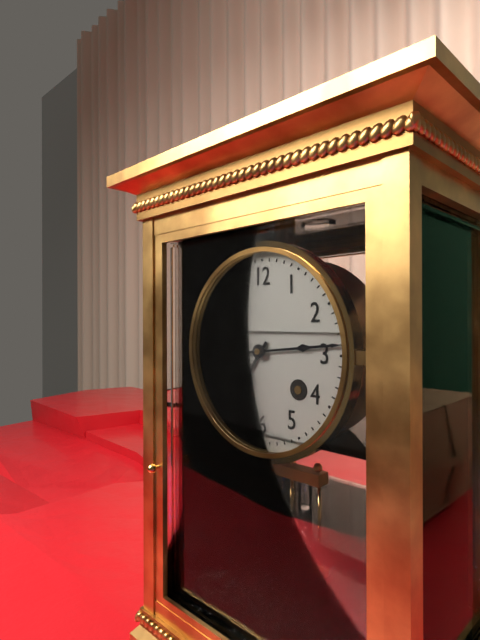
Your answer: 7,14
